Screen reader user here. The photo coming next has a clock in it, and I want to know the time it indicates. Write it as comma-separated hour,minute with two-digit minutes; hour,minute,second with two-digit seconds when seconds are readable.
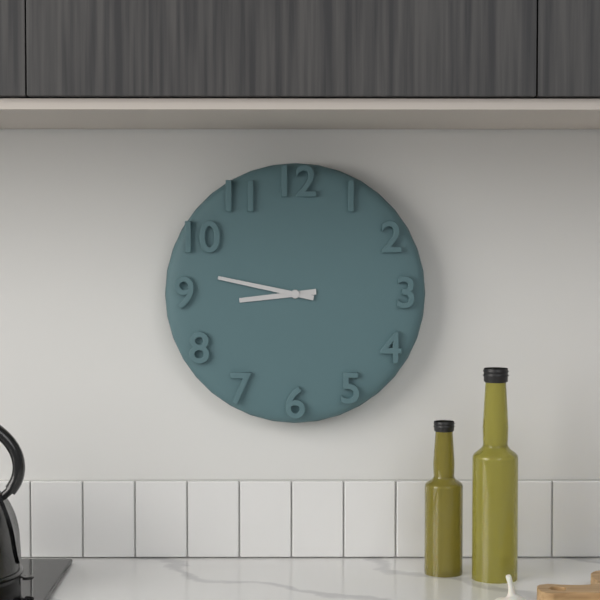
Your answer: 8,47
